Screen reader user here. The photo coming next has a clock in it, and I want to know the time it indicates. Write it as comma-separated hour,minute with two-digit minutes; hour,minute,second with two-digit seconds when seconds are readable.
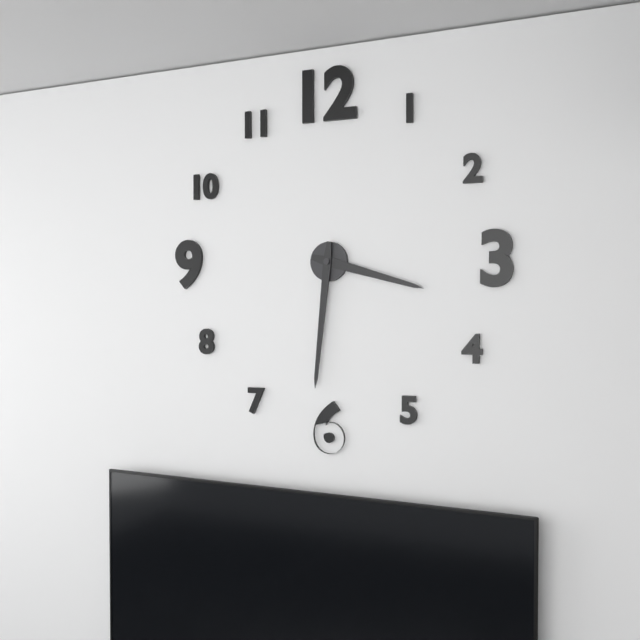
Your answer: 3,31
